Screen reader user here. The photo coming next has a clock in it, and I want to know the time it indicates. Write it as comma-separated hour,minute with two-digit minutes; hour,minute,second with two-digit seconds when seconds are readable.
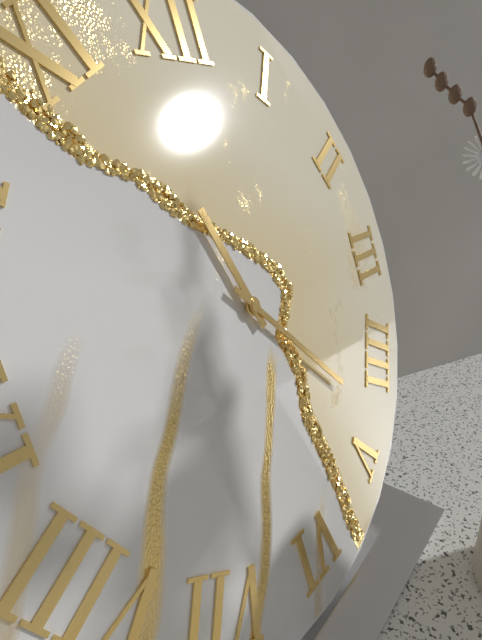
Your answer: 11,23
